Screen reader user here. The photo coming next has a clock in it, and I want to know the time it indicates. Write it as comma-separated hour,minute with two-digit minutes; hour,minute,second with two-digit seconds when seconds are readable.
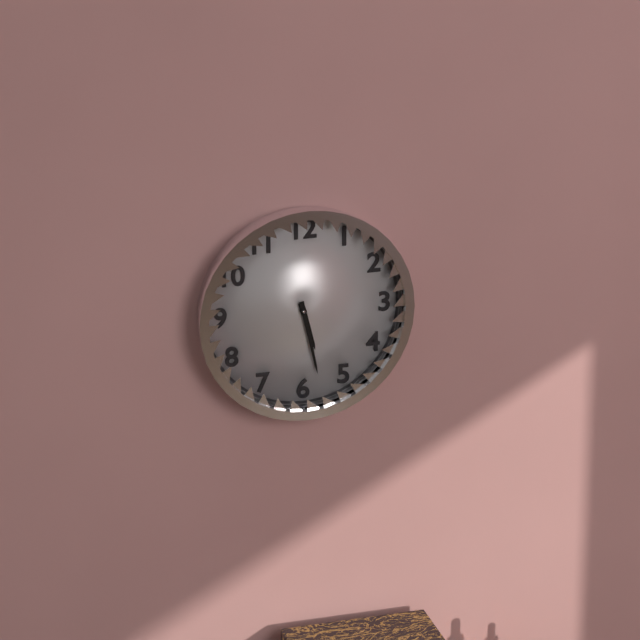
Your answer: 5,28
